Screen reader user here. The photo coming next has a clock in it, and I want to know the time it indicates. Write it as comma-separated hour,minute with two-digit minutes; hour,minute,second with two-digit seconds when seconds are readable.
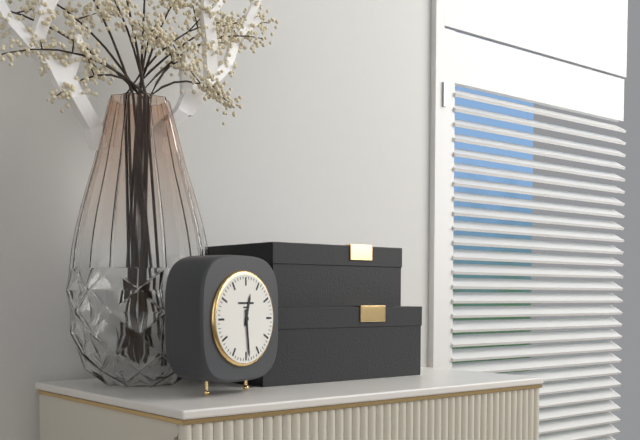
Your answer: 12,29
